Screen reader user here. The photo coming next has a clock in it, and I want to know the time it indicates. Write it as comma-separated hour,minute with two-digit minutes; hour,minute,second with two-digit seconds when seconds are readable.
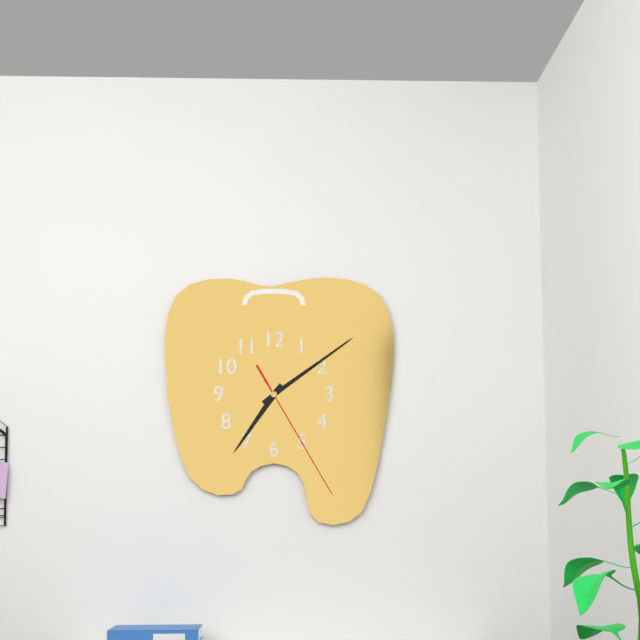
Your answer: 7,09,25
